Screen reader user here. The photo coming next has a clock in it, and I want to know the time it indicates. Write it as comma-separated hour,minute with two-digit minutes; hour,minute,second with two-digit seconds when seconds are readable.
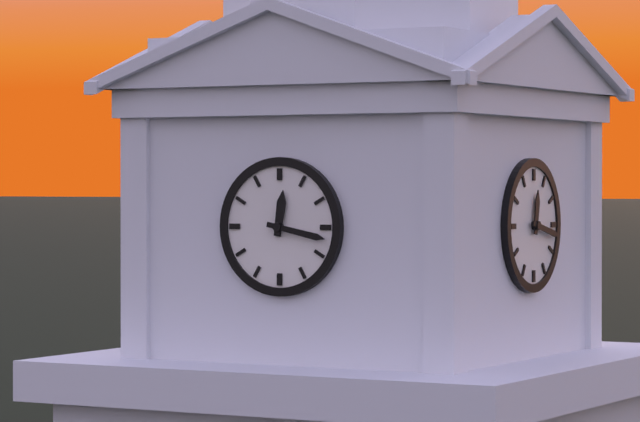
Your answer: 12,17
